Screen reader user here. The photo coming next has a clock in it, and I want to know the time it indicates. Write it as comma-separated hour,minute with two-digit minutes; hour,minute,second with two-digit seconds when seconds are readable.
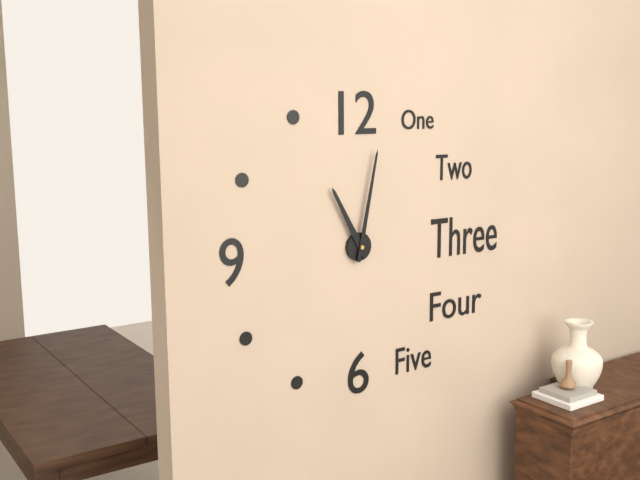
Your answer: 11,02
